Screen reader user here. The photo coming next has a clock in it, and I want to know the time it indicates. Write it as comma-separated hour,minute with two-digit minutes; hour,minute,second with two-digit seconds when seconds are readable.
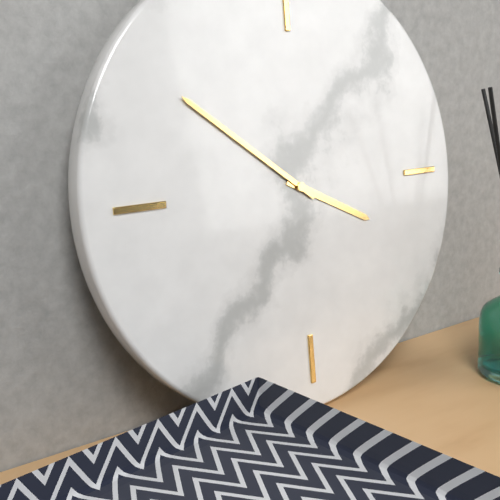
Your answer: 3,51
